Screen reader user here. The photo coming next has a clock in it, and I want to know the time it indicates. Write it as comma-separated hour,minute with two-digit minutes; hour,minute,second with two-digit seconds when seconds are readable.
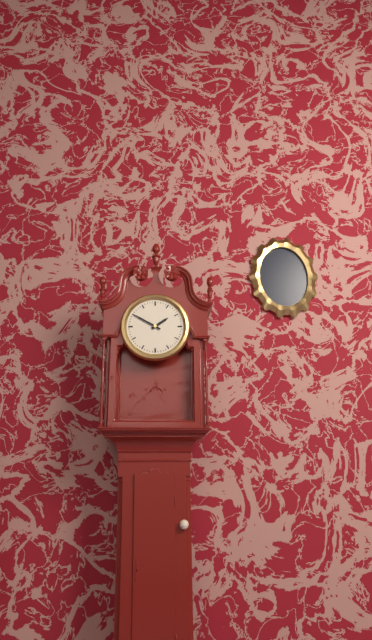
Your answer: 1,50
